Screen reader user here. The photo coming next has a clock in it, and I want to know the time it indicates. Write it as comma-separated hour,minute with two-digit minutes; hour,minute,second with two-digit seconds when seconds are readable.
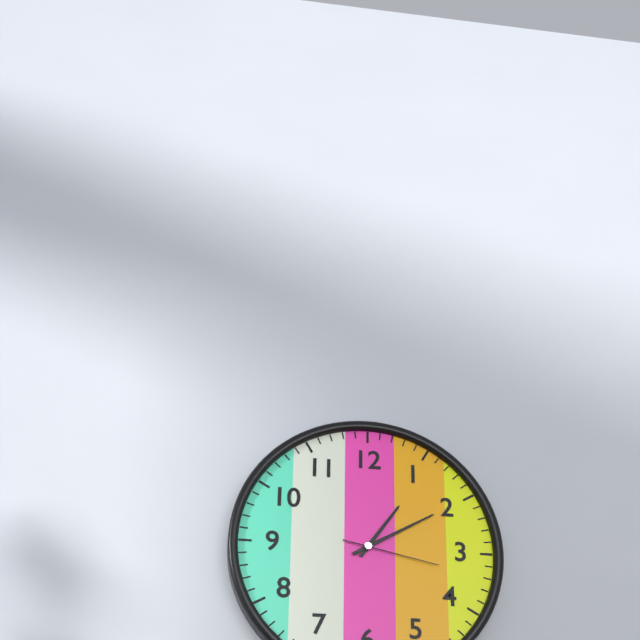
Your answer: 1,10,17
